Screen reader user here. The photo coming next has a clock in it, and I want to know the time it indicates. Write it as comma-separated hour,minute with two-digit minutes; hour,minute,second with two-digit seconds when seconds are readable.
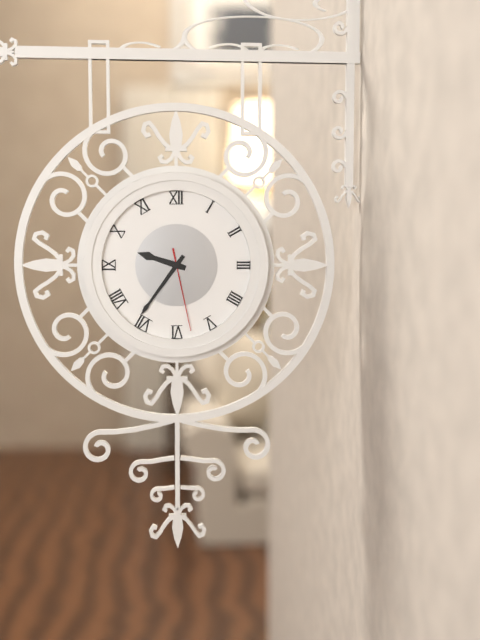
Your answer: 9,36,28
